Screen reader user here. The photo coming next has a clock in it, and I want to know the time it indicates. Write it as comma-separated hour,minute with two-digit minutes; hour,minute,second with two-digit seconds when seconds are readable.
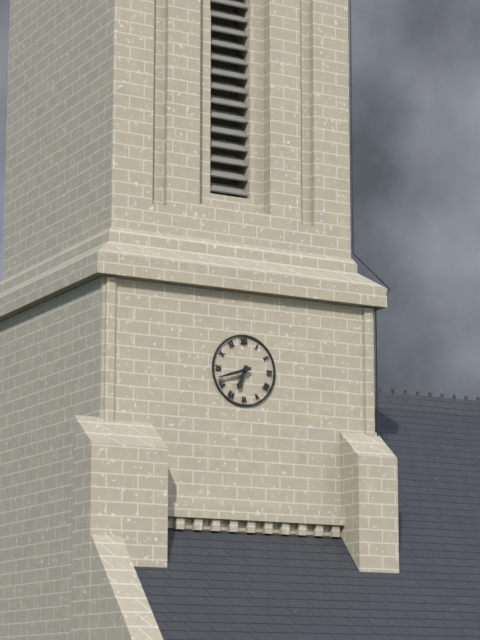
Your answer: 6,42
